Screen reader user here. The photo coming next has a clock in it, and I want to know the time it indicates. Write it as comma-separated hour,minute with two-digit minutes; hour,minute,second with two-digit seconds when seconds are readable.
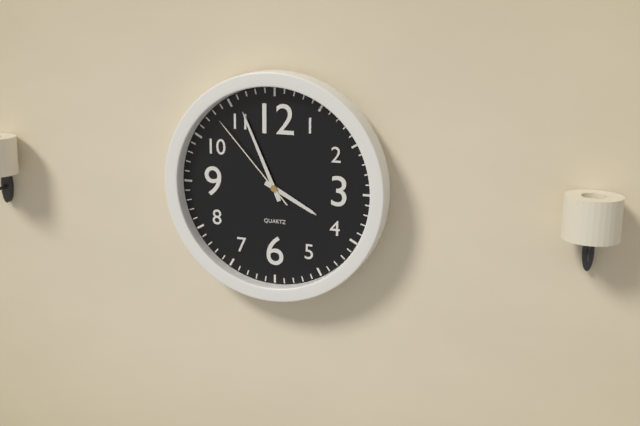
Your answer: 3,56,53
